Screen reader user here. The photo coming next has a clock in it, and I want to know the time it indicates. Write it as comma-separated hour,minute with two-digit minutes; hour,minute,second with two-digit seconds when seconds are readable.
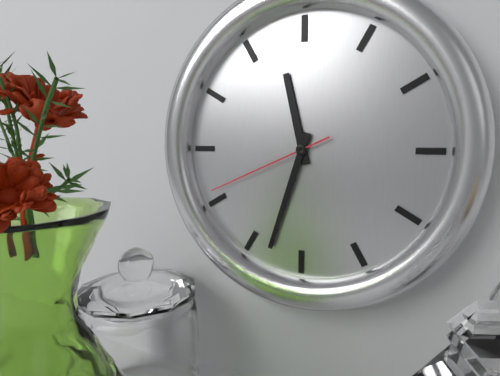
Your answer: 11,33,41
